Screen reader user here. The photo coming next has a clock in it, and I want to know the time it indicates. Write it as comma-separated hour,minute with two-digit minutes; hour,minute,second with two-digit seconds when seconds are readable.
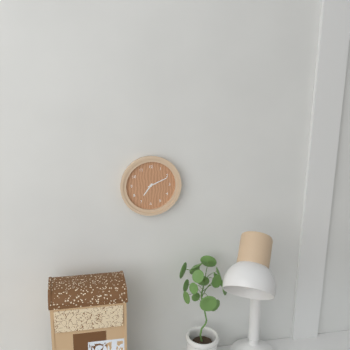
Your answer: 7,11
